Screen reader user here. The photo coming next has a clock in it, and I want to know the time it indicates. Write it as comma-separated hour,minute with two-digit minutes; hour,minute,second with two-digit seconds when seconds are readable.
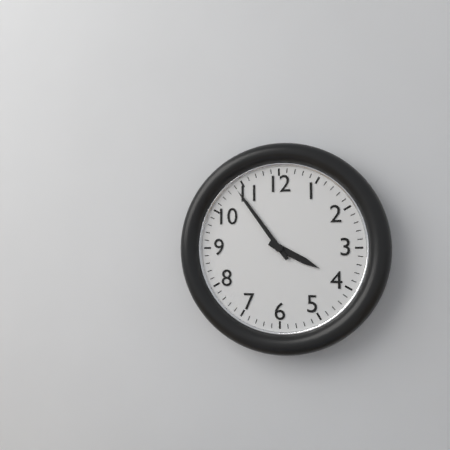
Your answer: 3,54
